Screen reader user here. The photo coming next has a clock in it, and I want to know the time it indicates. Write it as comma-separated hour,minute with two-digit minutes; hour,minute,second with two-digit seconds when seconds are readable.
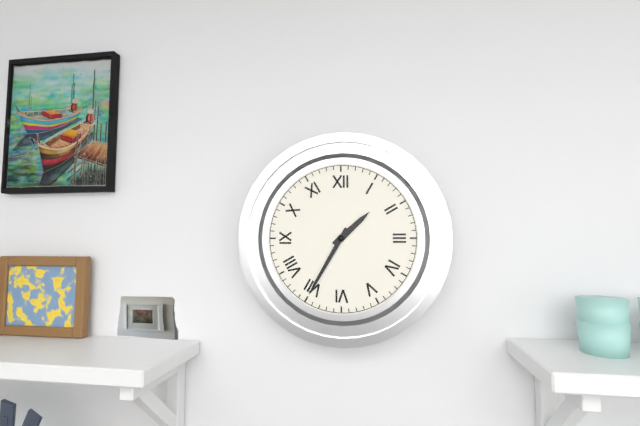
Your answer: 1,35
